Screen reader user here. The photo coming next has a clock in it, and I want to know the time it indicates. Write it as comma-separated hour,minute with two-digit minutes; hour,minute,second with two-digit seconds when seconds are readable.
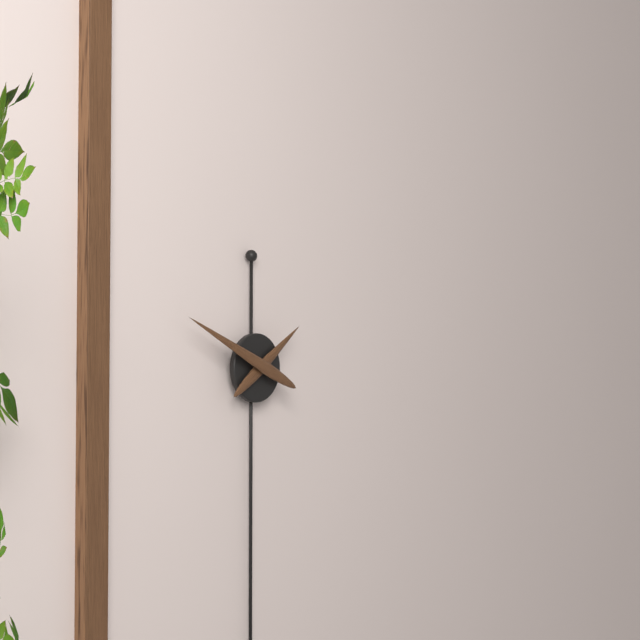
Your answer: 1,49
